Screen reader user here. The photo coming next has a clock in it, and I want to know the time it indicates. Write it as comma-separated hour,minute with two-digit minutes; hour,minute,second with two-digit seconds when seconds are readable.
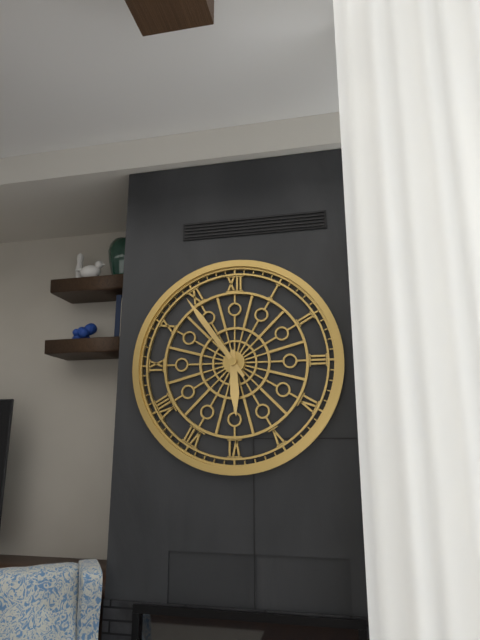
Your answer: 5,54
